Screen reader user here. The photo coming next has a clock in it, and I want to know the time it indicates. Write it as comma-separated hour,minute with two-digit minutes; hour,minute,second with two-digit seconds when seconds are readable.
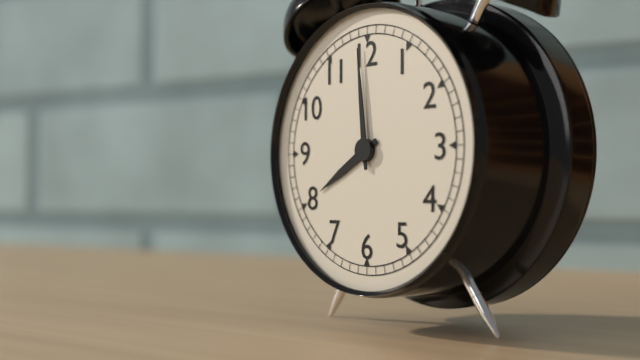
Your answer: 7,59
